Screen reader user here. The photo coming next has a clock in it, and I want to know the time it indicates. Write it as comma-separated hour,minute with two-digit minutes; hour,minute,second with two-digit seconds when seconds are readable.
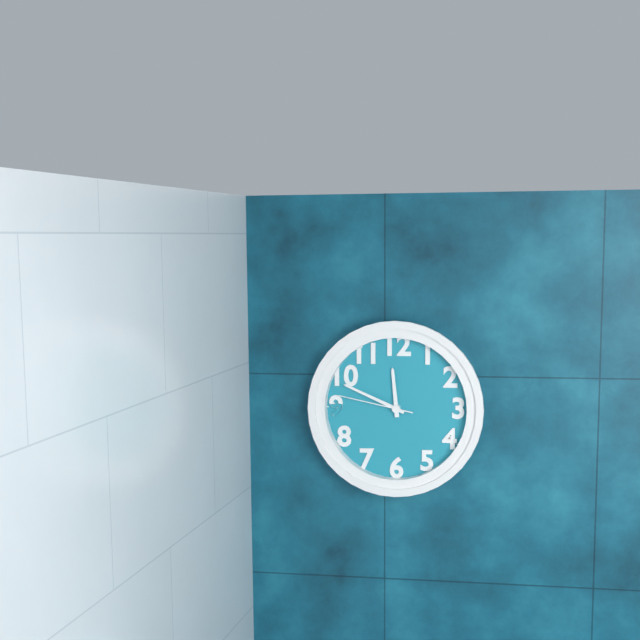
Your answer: 11,49,47
